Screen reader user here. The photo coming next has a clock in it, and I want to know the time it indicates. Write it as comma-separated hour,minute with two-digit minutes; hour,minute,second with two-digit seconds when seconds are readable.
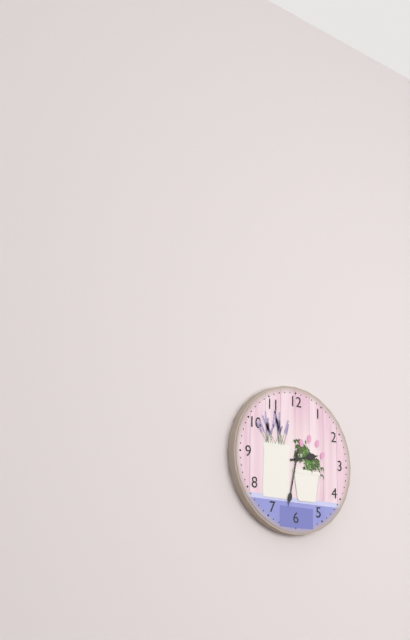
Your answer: 2,32
